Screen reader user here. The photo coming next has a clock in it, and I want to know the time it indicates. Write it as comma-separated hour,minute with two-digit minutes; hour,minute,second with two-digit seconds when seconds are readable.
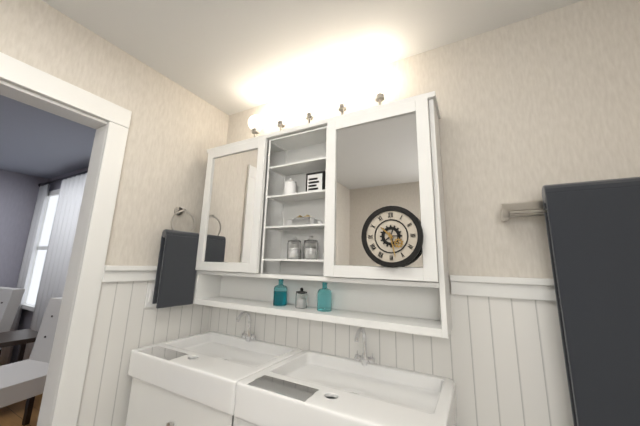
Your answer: 10,28
